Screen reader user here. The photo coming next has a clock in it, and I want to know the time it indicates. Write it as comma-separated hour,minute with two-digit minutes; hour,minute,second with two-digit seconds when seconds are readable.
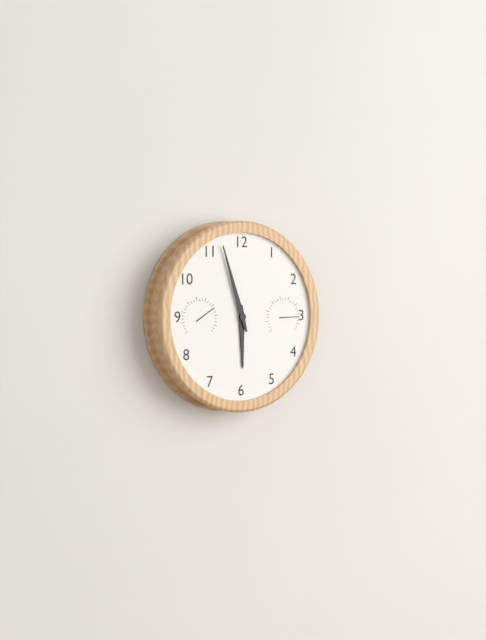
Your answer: 5,57
